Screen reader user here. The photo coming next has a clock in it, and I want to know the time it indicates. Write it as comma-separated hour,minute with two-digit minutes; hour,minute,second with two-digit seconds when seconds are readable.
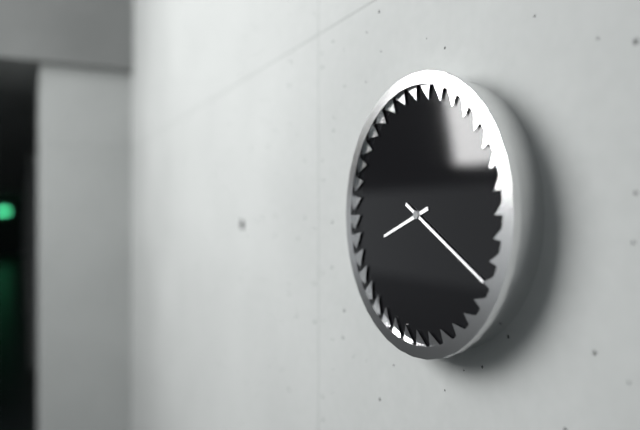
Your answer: 8,20
